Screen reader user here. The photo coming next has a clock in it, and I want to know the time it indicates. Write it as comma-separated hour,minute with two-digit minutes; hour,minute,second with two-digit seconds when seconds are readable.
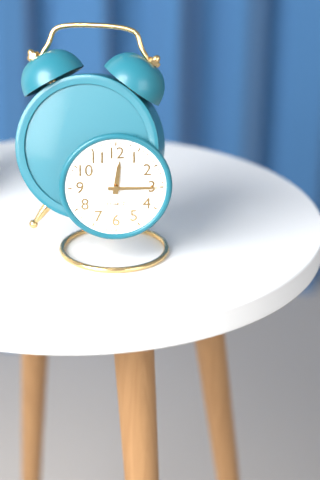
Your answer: 12,15
